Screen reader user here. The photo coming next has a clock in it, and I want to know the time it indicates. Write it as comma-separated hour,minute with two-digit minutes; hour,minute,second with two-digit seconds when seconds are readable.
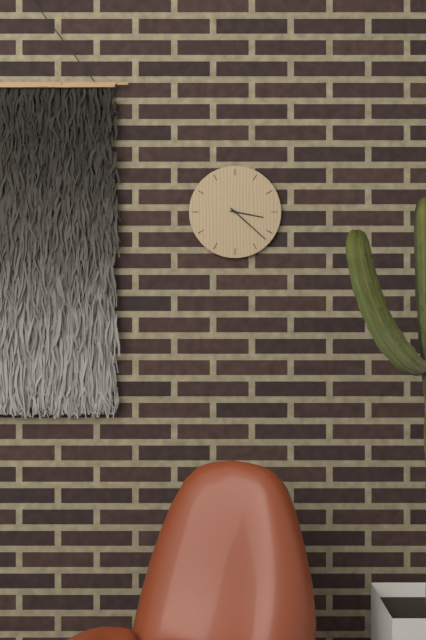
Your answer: 3,22
